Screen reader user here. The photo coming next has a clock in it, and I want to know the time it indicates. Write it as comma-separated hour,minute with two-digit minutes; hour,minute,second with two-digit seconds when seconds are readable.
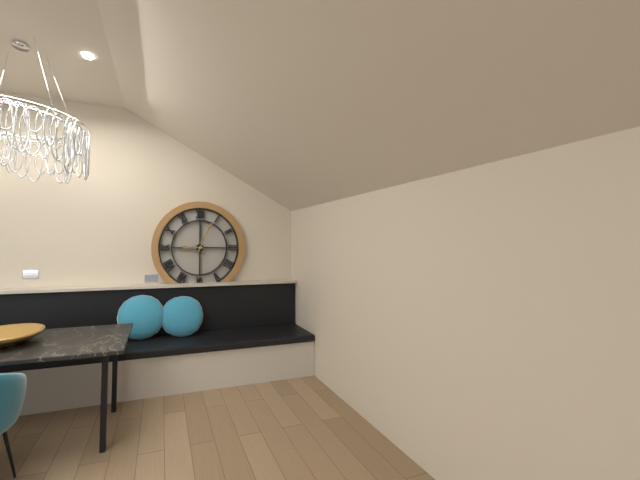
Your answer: 9,04
